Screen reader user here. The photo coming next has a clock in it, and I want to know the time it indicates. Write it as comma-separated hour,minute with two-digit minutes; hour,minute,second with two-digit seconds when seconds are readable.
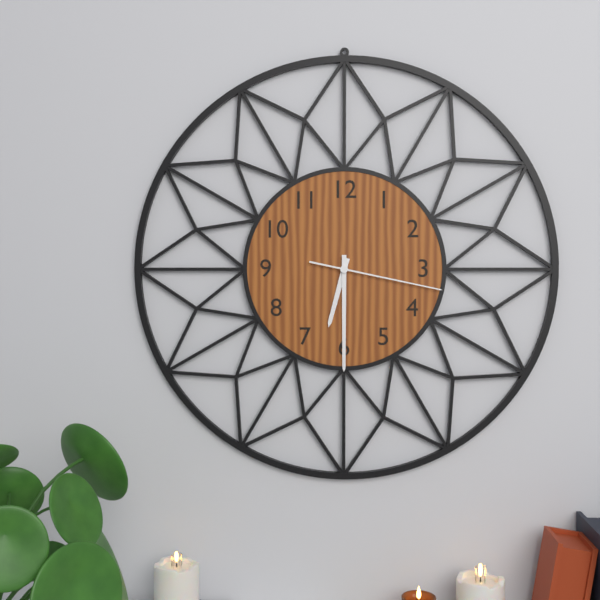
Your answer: 6,30,17
